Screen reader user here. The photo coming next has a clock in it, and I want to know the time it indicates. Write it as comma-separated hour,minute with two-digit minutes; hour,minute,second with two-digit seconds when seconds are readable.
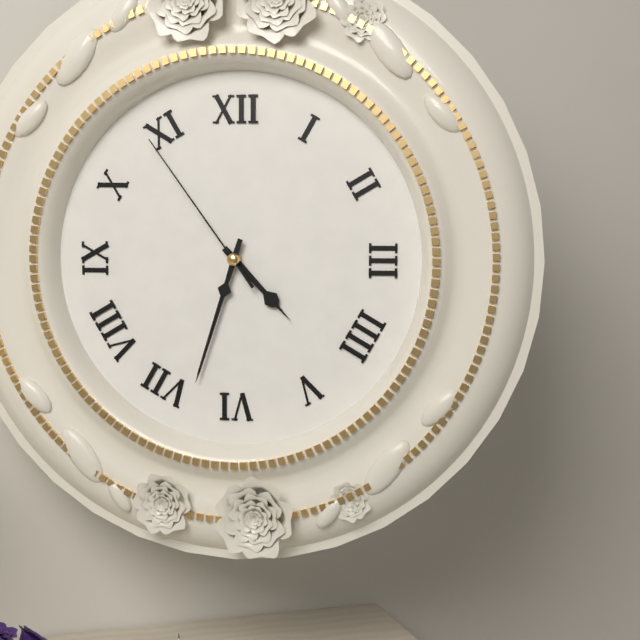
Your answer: 4,33,54
